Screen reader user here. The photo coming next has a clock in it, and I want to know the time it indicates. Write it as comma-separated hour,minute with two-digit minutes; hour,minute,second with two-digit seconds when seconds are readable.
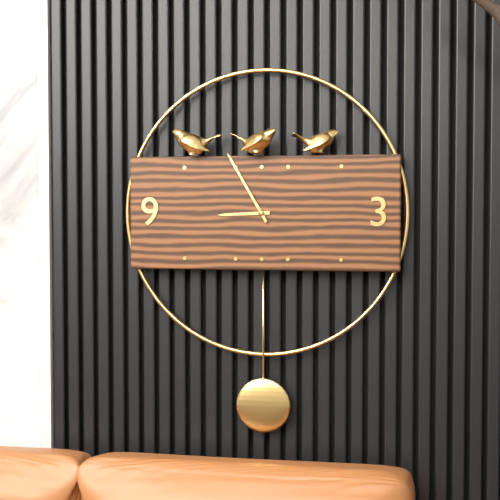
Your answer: 8,55
